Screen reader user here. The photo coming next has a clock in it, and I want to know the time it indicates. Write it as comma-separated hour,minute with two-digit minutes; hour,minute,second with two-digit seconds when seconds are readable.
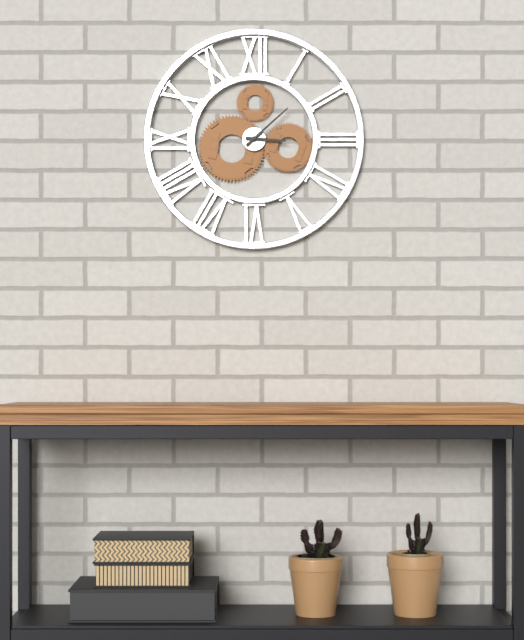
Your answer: 3,08
